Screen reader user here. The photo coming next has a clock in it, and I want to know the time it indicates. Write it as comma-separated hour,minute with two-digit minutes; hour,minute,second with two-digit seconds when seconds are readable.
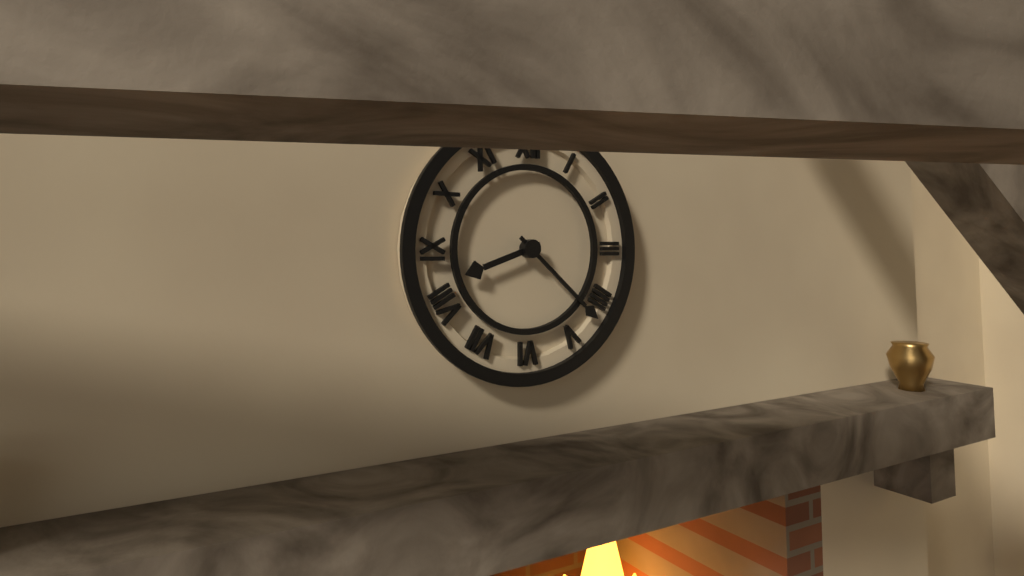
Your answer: 8,22
